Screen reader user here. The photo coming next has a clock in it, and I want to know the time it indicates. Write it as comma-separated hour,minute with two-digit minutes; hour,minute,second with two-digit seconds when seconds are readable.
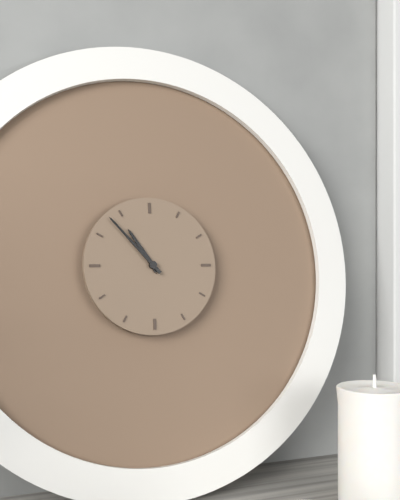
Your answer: 10,53
